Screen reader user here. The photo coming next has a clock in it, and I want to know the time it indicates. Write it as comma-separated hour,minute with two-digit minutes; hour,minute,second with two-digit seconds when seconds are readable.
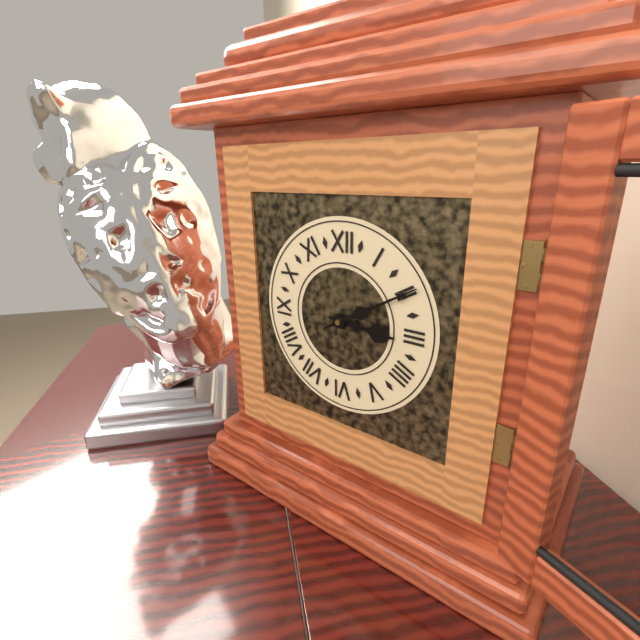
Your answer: 3,10
